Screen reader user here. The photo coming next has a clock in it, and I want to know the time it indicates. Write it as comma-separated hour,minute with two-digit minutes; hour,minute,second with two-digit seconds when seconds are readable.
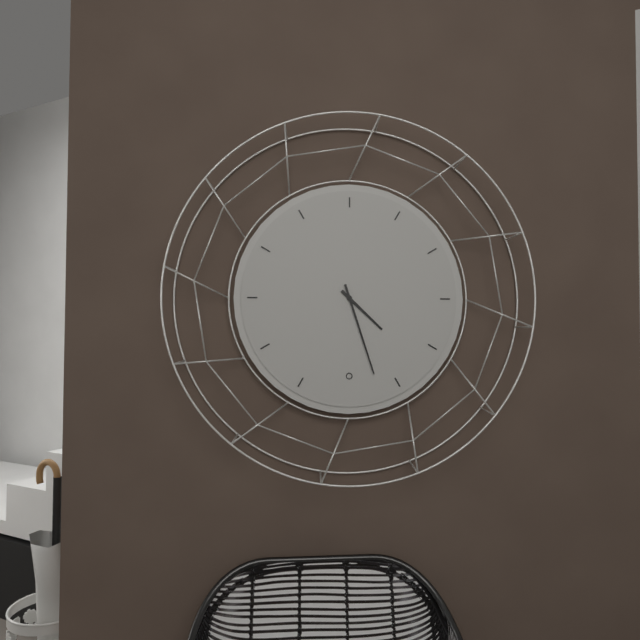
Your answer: 4,27
